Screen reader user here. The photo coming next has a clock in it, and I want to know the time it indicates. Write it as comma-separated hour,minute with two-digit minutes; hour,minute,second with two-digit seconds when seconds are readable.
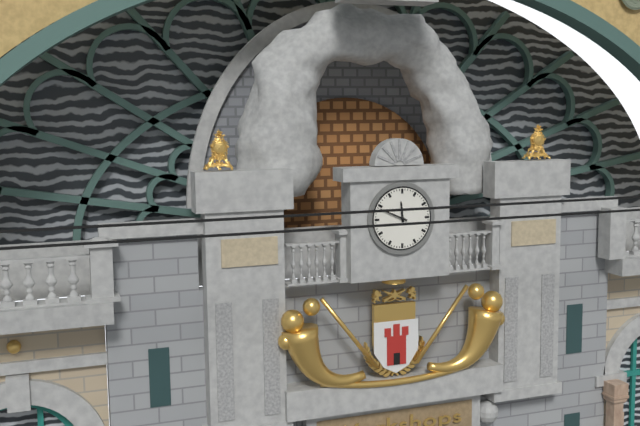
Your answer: 11,49
